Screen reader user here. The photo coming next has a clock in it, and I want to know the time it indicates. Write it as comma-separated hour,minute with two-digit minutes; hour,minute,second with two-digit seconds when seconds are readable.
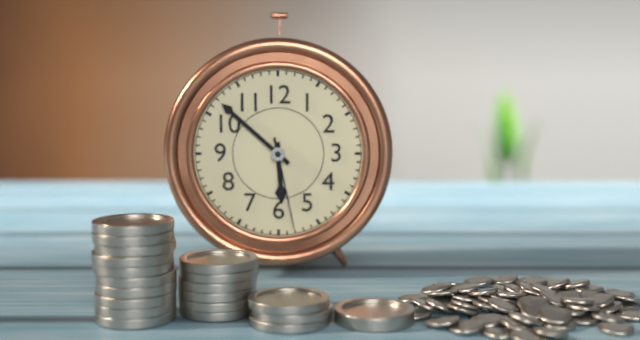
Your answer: 5,52,28
